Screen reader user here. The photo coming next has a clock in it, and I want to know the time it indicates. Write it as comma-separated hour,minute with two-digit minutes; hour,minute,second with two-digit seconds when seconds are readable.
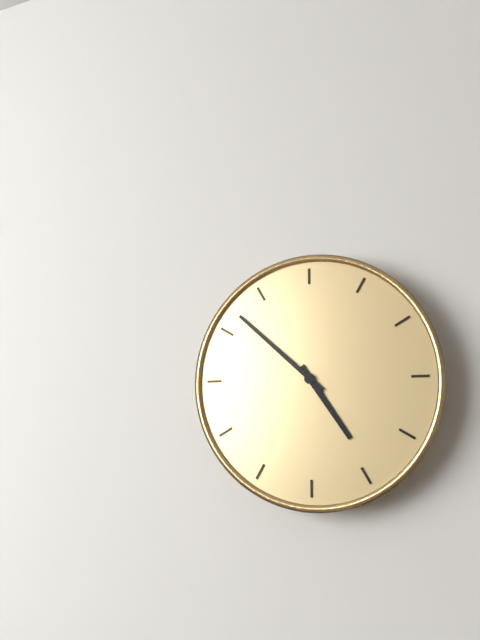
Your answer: 4,52
